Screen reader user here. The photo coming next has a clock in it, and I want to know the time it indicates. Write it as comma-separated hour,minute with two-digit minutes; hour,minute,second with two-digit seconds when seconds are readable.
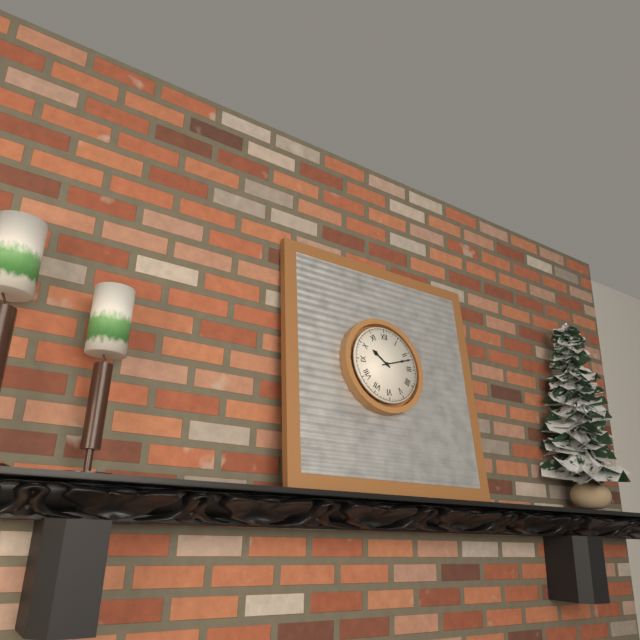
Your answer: 10,12
